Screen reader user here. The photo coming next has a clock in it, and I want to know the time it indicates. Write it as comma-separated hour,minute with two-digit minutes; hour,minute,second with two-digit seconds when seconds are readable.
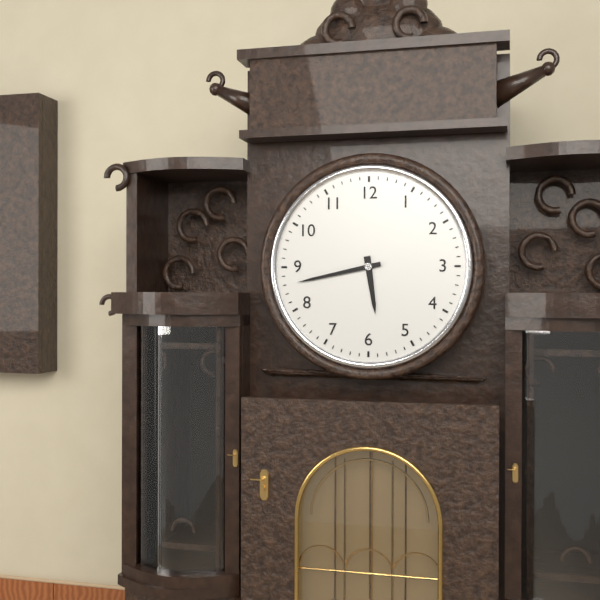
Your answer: 5,43
